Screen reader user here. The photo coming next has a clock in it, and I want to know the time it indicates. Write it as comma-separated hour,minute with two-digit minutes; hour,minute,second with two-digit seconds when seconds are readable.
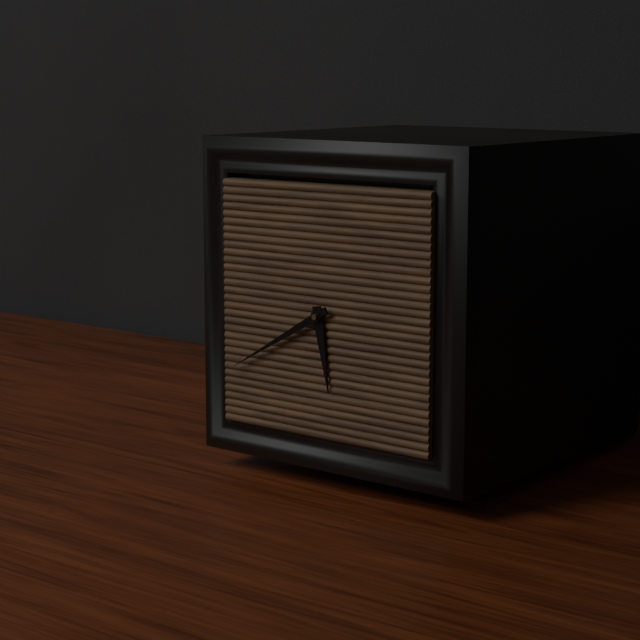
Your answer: 5,40
